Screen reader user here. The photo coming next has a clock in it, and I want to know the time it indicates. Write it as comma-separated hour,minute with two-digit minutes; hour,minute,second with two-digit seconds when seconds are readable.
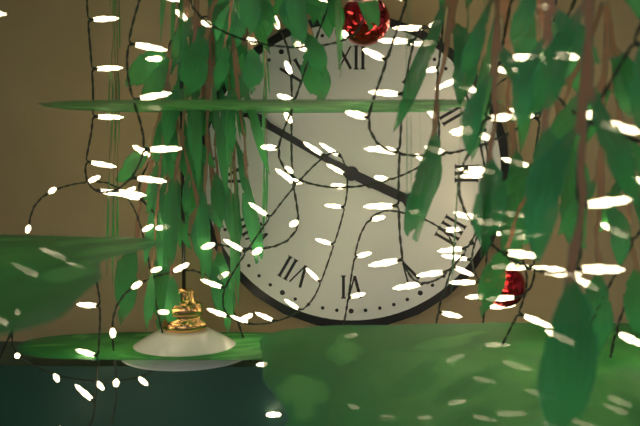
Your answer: 3,50
